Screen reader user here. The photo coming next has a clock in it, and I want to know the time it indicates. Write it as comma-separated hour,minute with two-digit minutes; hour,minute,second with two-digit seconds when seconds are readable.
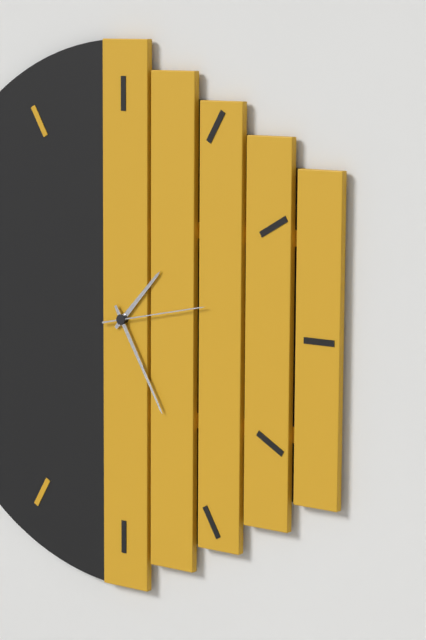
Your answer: 1,25,13
